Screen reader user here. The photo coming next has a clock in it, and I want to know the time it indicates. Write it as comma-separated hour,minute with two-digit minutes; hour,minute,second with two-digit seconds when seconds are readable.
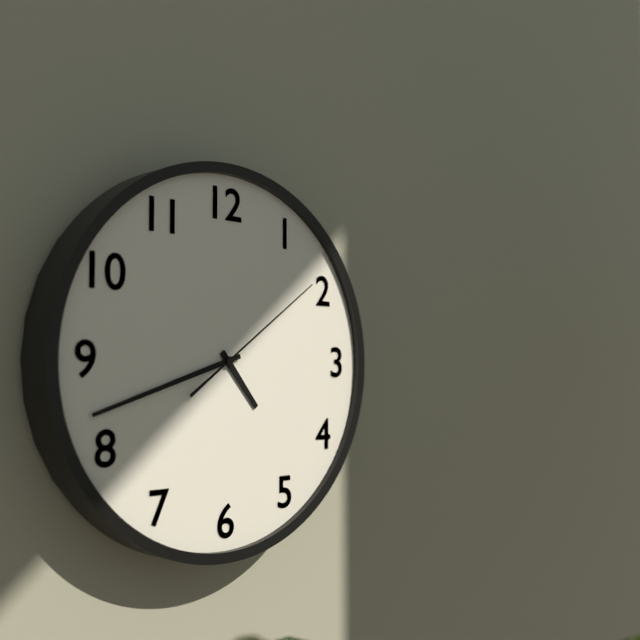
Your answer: 4,42,09
